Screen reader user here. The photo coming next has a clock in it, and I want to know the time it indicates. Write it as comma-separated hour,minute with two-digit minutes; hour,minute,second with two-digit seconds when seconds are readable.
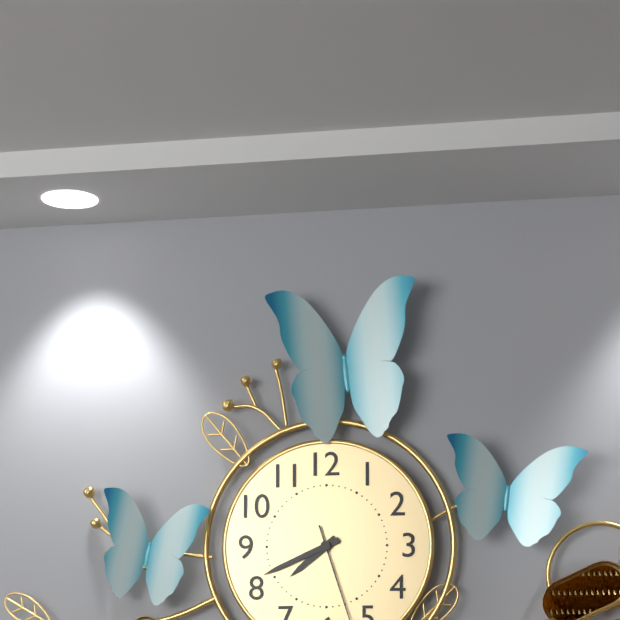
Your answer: 7,41,27
